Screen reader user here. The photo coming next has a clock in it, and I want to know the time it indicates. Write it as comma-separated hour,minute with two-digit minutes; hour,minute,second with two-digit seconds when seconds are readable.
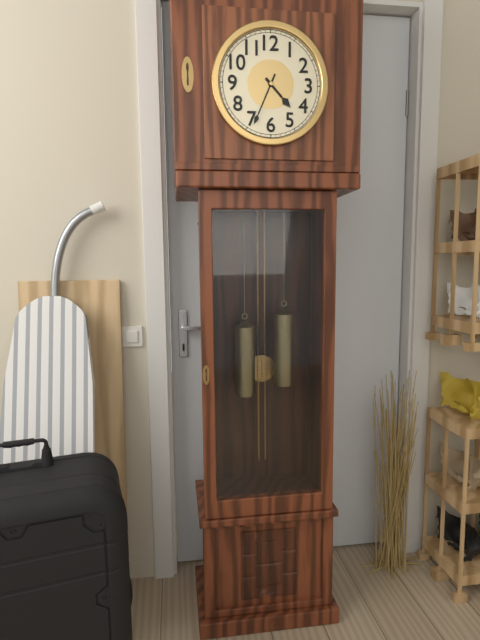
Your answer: 4,34
